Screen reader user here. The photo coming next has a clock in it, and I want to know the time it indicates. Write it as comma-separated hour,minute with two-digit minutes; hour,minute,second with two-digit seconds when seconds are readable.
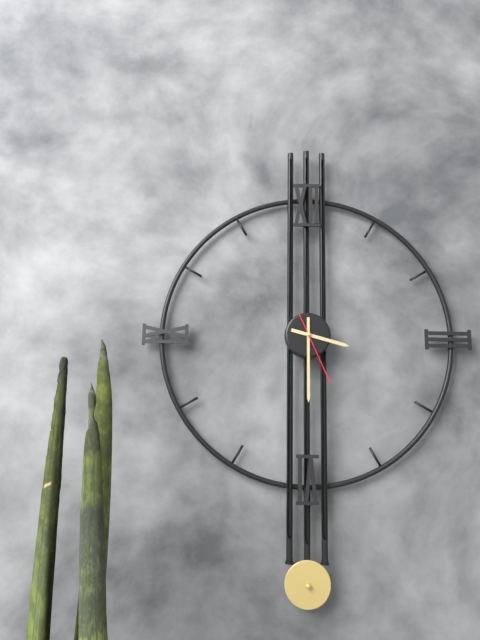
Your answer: 3,30,26
